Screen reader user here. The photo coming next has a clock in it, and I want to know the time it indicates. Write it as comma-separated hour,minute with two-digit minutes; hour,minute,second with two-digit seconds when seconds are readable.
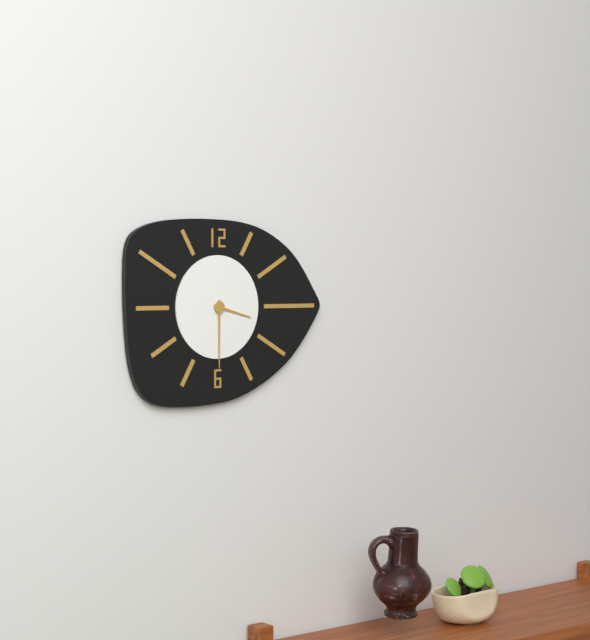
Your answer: 3,30
